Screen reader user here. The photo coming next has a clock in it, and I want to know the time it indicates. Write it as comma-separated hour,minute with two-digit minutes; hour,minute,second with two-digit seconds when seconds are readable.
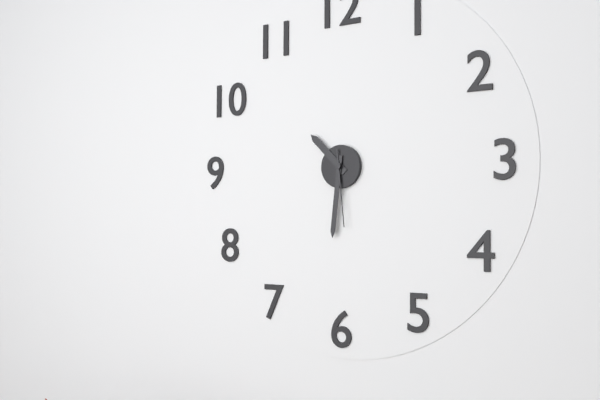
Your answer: 10,31,29
